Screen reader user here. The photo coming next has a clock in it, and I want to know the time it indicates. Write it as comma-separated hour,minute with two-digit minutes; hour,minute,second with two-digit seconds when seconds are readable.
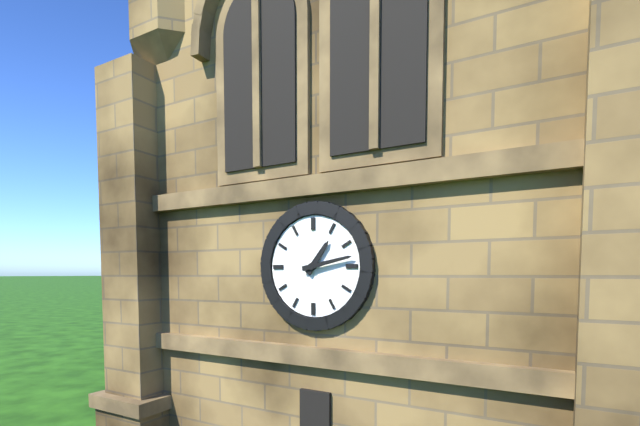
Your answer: 1,13
